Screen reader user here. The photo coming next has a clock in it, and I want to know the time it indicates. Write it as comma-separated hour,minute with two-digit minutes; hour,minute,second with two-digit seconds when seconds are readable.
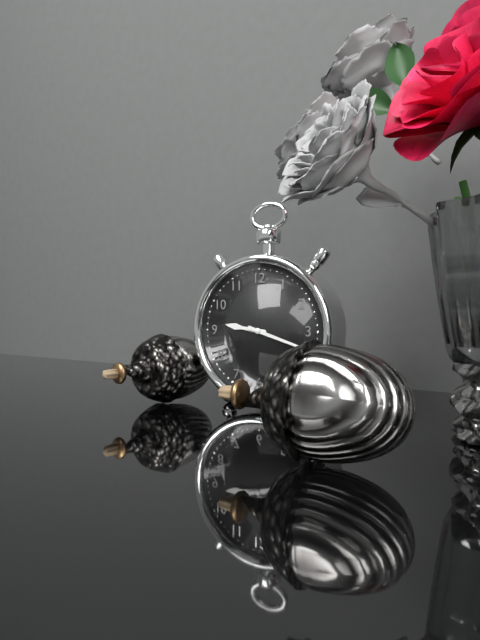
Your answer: 9,18
